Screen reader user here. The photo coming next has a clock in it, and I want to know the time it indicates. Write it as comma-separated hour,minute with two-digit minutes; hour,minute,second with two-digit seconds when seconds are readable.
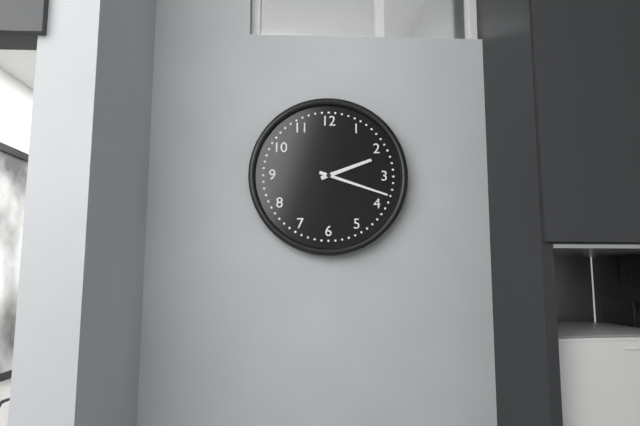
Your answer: 2,18
